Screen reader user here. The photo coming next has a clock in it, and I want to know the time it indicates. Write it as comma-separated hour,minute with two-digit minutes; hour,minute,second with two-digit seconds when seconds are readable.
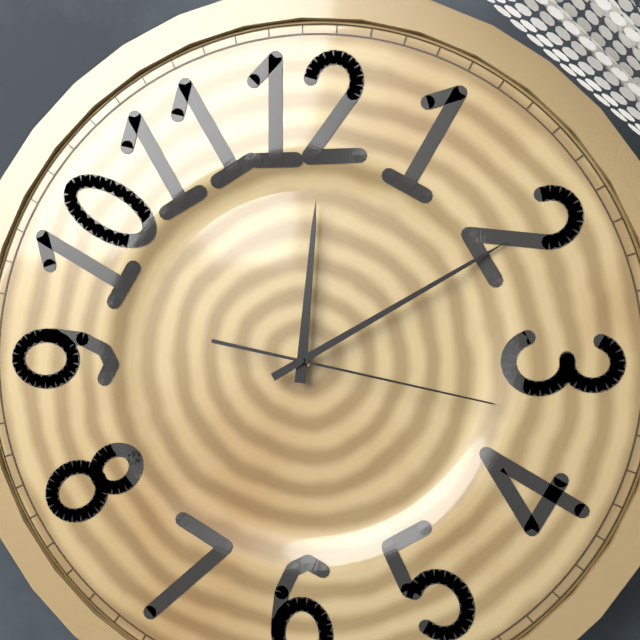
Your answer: 12,10,17
